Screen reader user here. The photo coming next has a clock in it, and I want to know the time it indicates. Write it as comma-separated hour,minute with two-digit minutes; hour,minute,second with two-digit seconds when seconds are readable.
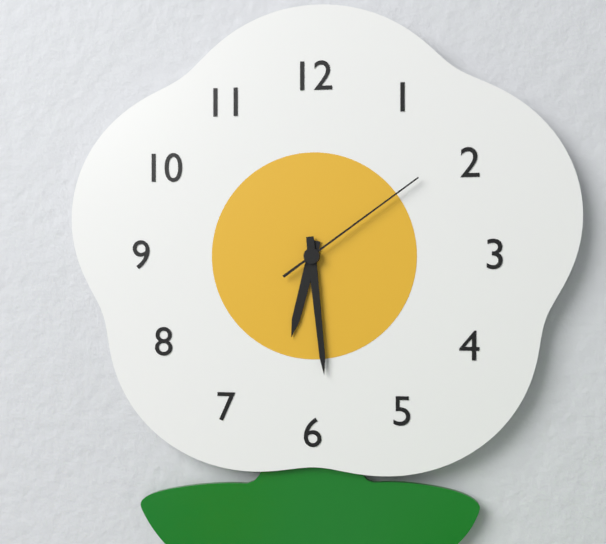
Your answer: 6,29,09
